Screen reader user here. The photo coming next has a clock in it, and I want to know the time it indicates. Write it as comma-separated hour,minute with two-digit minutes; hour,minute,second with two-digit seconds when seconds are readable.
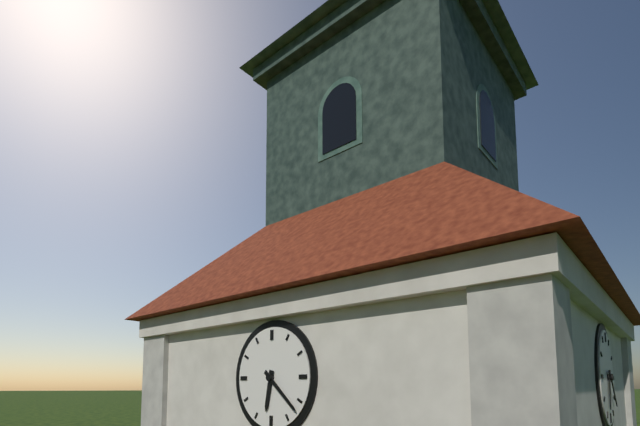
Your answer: 6,22
